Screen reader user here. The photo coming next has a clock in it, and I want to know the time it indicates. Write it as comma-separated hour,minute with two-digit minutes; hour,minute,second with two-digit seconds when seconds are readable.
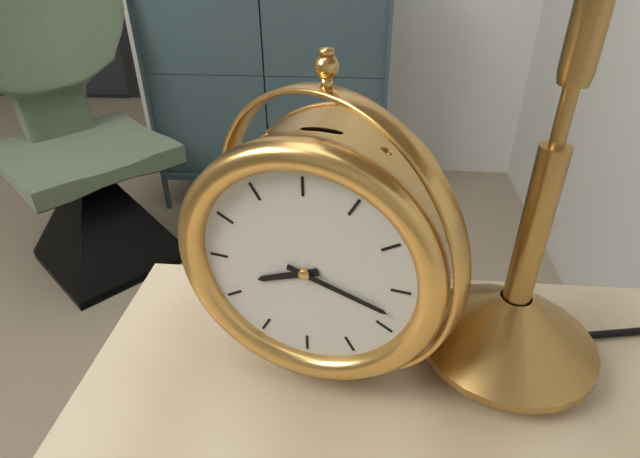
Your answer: 8,18
